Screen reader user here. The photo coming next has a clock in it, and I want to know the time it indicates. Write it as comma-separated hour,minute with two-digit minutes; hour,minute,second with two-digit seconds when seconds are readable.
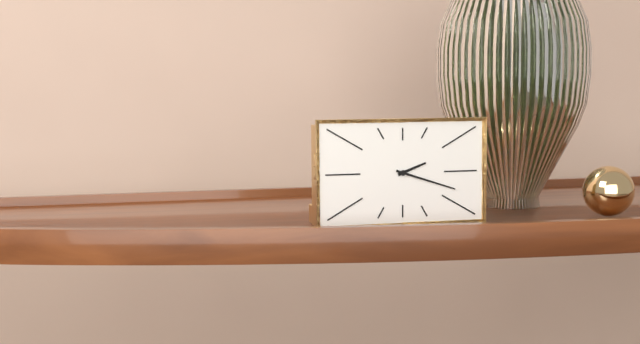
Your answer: 2,18
